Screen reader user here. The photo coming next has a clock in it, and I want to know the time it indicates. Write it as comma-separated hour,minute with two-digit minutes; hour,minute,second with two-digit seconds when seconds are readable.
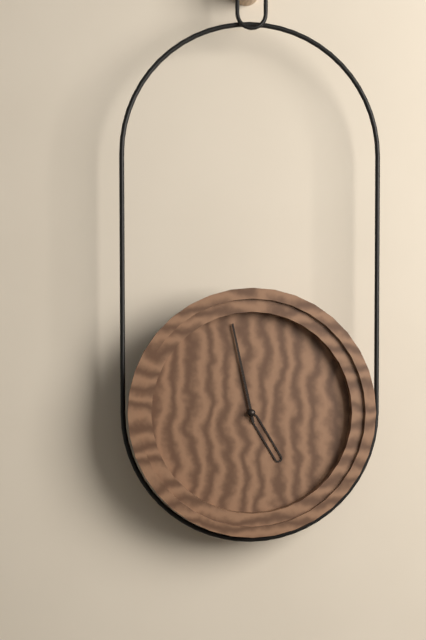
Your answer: 4,58
